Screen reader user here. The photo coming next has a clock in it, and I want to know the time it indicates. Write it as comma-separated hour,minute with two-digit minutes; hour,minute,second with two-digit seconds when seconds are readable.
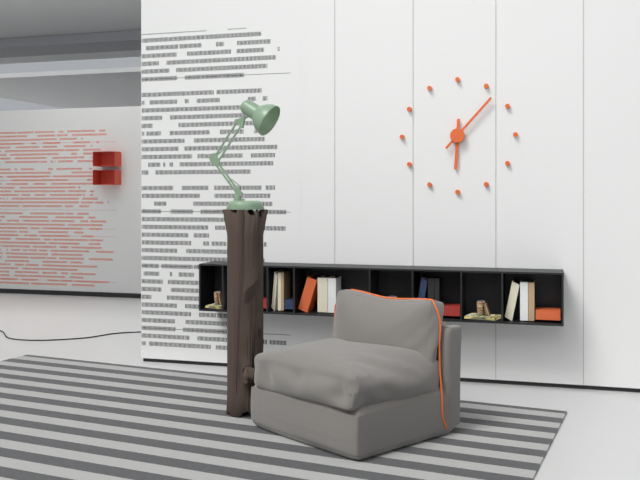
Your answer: 6,07
